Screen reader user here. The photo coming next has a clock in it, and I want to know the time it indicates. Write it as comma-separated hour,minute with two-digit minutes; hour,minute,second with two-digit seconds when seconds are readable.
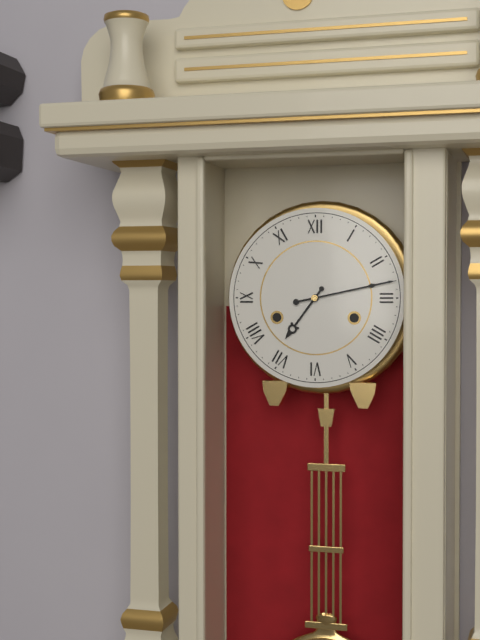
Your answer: 7,13
